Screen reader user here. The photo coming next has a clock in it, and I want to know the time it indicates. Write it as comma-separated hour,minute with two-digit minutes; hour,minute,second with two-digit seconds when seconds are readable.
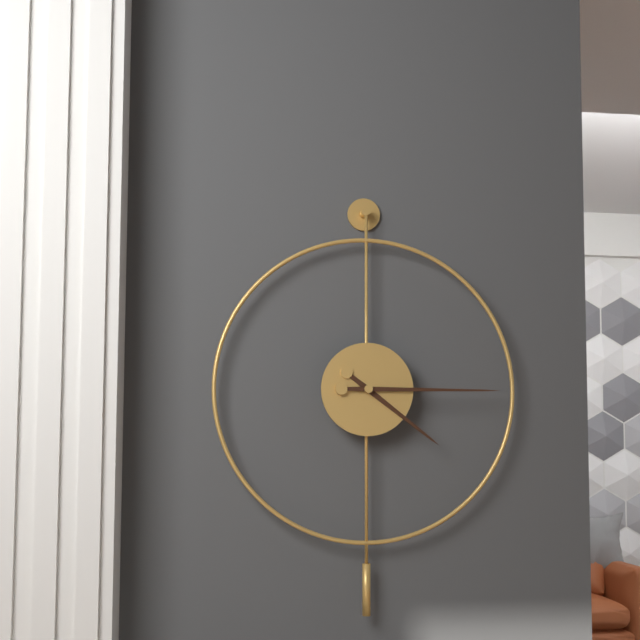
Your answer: 4,15
